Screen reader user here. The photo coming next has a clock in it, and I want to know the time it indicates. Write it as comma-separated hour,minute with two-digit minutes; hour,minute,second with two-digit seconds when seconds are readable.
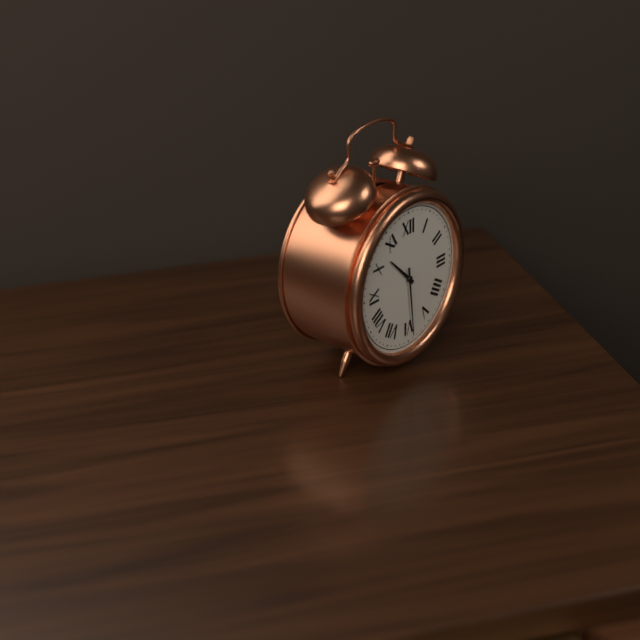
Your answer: 10,29
